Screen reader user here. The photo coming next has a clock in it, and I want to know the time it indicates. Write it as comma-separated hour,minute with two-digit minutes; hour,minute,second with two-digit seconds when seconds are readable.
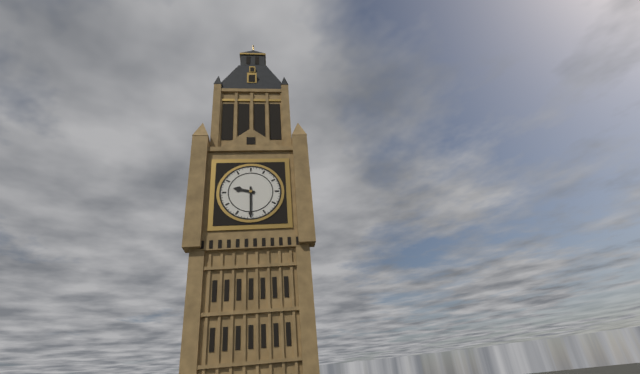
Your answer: 9,30
